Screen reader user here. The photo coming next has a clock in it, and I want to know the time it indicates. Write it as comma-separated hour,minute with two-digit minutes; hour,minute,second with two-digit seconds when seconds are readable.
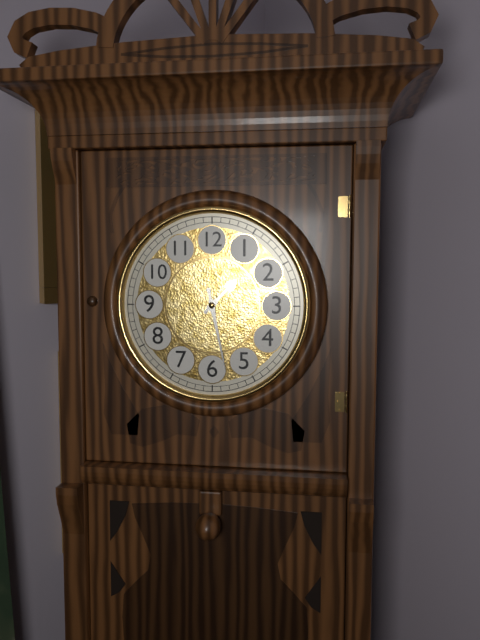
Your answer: 1,28
